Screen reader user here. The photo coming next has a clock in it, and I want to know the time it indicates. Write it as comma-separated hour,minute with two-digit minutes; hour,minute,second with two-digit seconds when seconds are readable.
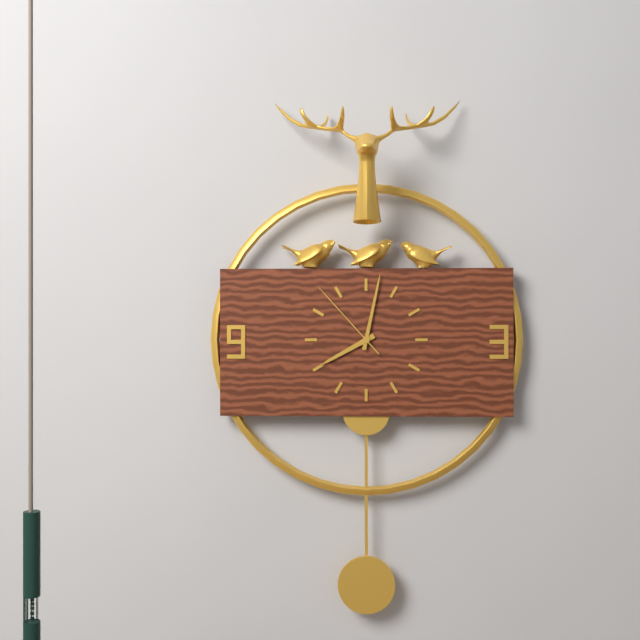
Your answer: 8,02,53
